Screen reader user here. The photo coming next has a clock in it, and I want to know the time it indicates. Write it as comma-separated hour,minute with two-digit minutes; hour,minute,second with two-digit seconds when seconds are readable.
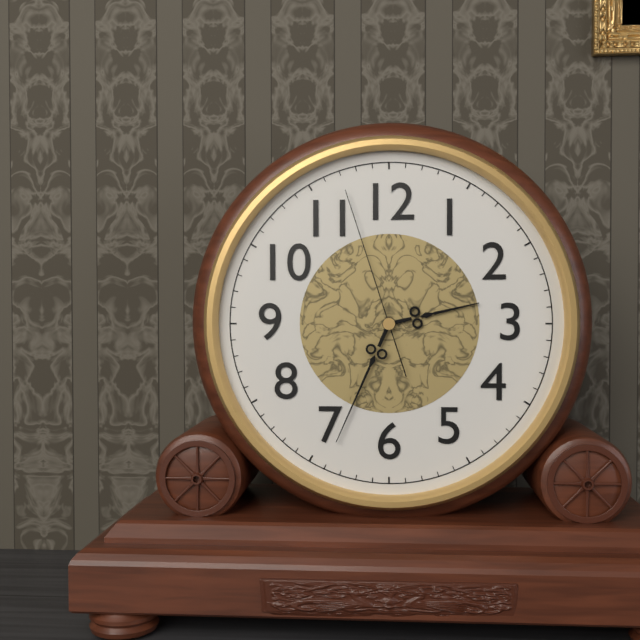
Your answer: 2,34,57
